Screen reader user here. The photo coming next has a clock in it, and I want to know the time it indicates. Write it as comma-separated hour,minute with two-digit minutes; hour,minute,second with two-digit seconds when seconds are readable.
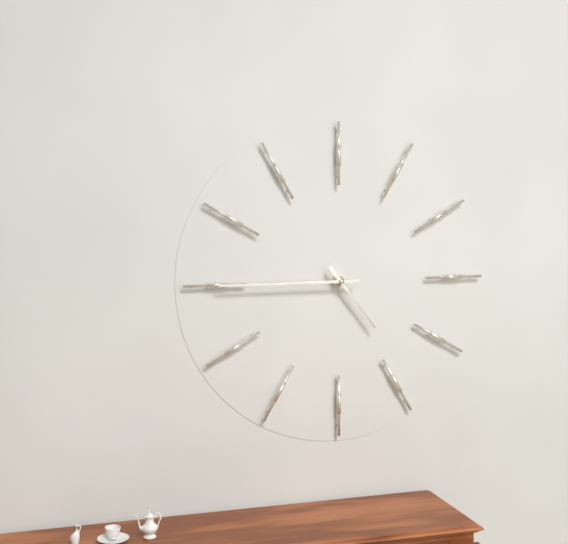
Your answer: 4,45
